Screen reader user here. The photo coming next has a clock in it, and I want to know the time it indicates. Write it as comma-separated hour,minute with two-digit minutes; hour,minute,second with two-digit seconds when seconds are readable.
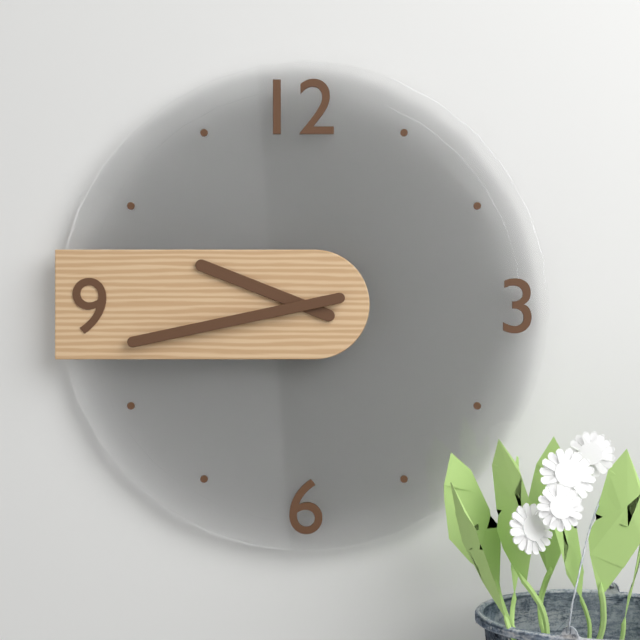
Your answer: 9,43
